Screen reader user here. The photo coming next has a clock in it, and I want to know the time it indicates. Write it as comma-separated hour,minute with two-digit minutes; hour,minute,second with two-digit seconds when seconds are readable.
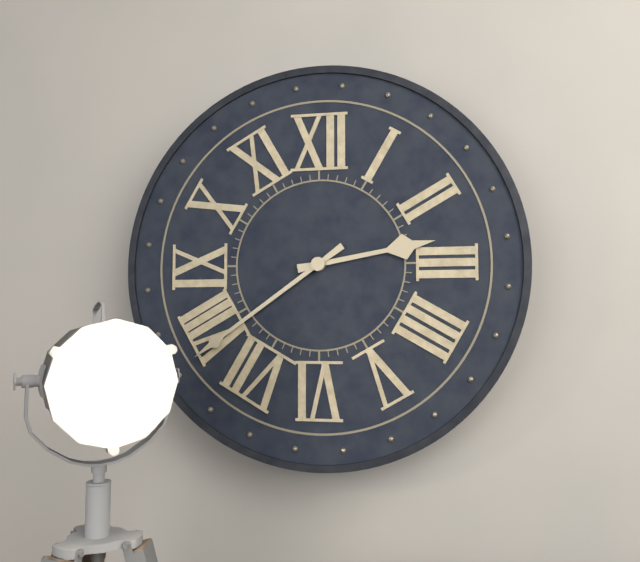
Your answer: 2,39
